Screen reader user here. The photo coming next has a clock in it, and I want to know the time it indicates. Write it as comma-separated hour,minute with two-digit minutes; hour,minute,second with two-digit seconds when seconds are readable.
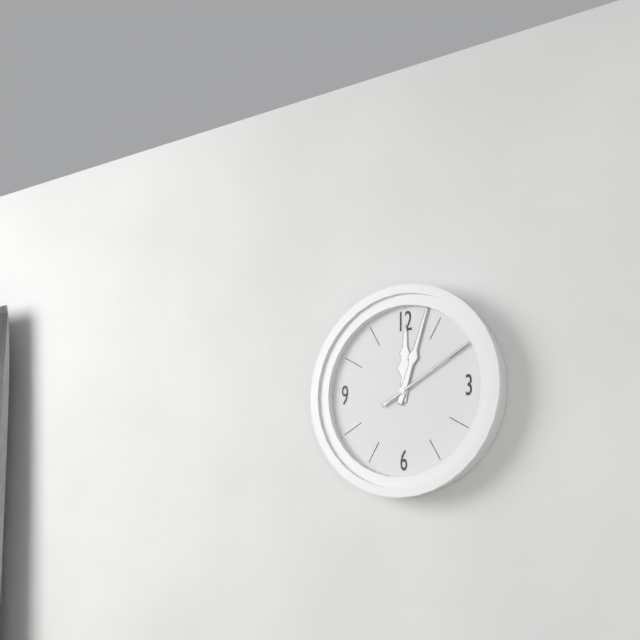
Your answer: 12,03,10
